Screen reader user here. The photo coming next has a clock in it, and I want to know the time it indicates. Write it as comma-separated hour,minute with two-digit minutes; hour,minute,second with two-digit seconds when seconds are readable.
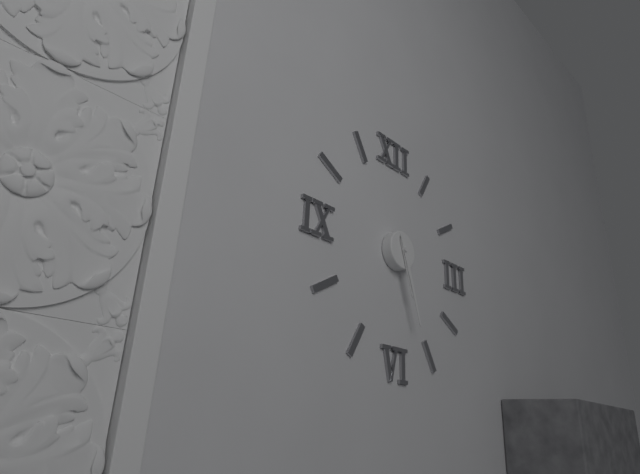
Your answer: 5,27
